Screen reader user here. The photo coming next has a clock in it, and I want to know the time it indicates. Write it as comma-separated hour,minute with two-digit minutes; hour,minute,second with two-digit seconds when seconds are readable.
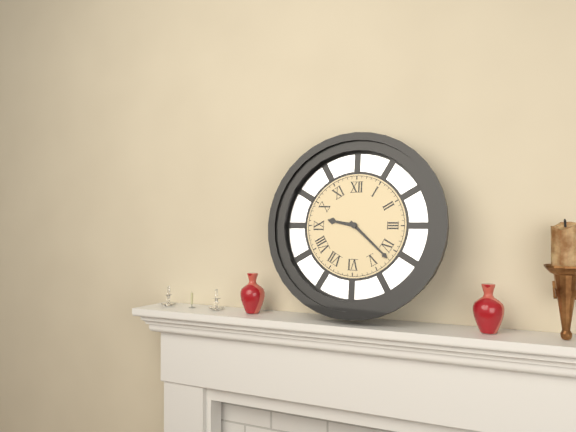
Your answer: 9,22
